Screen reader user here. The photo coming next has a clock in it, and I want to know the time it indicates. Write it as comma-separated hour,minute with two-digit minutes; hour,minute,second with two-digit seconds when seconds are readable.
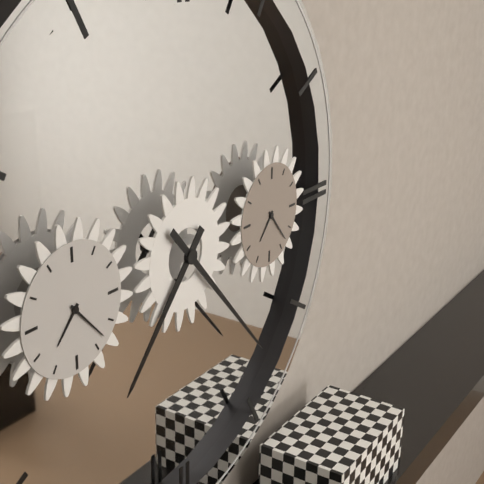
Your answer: 7,23
